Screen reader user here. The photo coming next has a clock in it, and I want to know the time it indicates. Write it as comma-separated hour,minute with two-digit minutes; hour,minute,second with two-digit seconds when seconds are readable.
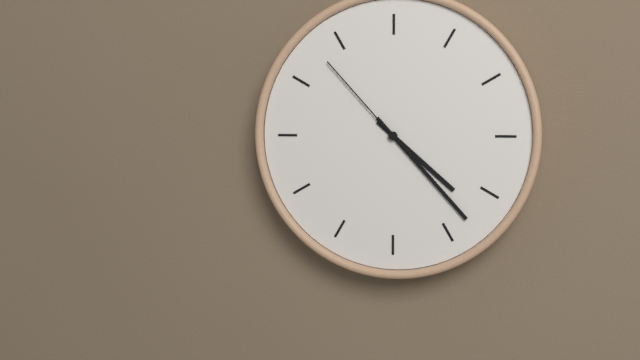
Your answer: 4,23,53
